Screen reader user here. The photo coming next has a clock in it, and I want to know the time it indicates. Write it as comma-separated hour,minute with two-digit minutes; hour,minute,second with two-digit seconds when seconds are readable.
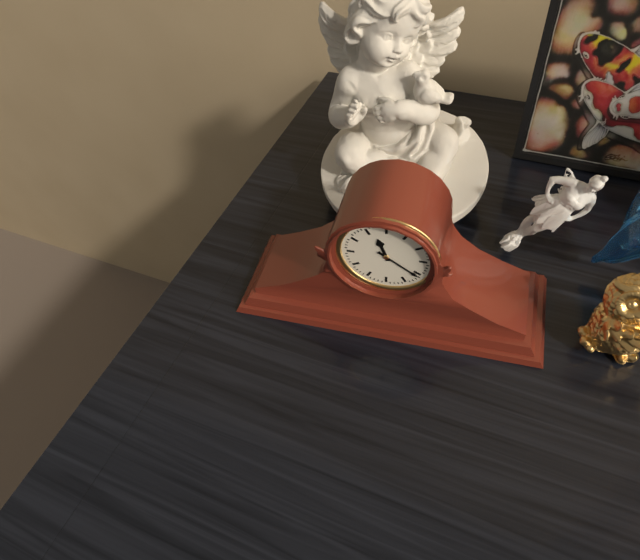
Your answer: 11,21
